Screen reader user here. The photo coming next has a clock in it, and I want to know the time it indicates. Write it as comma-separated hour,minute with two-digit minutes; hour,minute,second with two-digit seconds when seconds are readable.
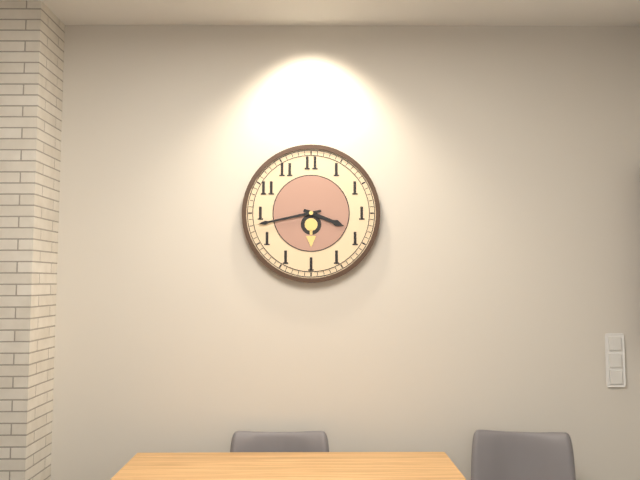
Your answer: 3,43
